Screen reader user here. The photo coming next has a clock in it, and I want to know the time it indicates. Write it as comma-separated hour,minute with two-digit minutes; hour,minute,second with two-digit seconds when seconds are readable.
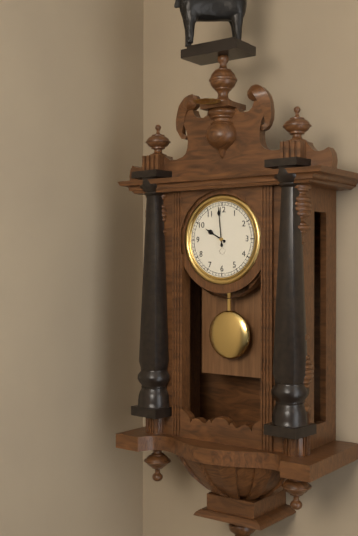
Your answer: 9,59
